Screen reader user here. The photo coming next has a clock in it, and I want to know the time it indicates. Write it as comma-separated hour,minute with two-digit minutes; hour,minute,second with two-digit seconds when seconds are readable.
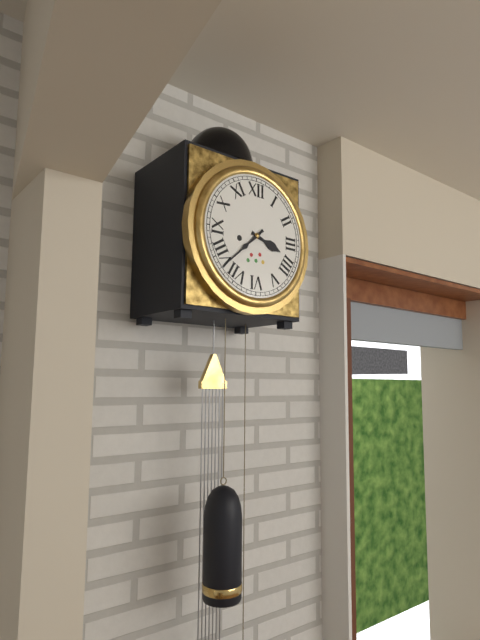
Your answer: 3,38
